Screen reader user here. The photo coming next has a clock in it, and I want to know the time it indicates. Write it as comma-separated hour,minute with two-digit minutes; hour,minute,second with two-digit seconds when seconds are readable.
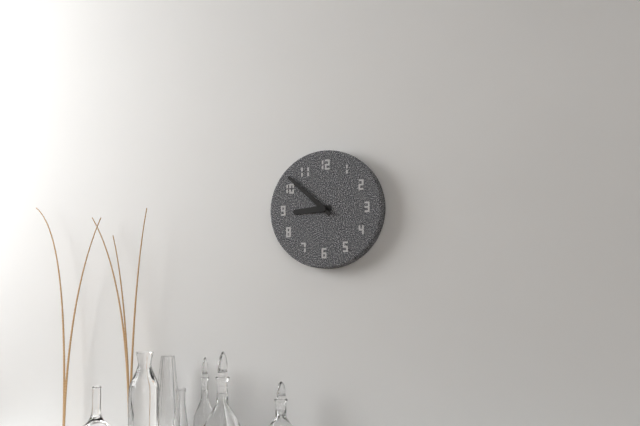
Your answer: 8,52
